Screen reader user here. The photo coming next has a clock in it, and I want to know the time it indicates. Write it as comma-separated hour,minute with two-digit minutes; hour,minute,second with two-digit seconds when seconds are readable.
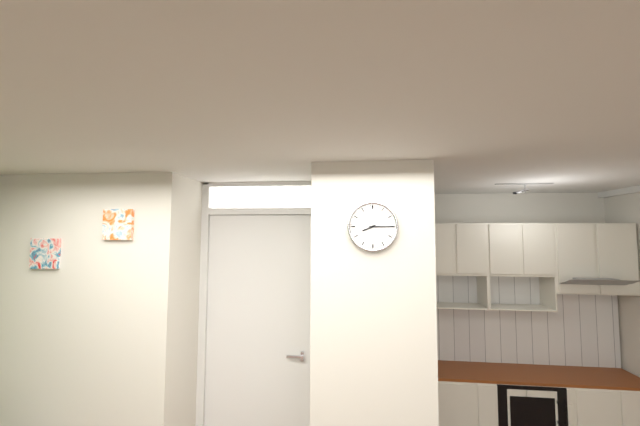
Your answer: 8,15
